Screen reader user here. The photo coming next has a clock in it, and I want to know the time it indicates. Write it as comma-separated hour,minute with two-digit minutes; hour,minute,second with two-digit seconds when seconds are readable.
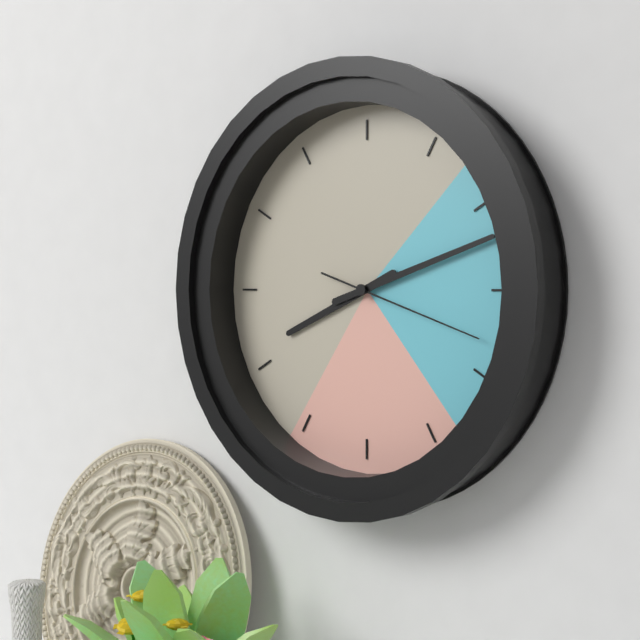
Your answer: 8,12,18
